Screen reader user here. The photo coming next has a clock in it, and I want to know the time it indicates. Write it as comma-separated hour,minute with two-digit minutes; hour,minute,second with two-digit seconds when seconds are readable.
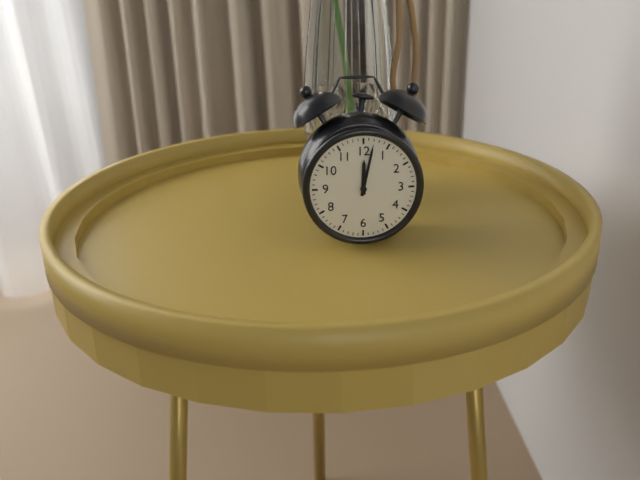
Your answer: 12,02
